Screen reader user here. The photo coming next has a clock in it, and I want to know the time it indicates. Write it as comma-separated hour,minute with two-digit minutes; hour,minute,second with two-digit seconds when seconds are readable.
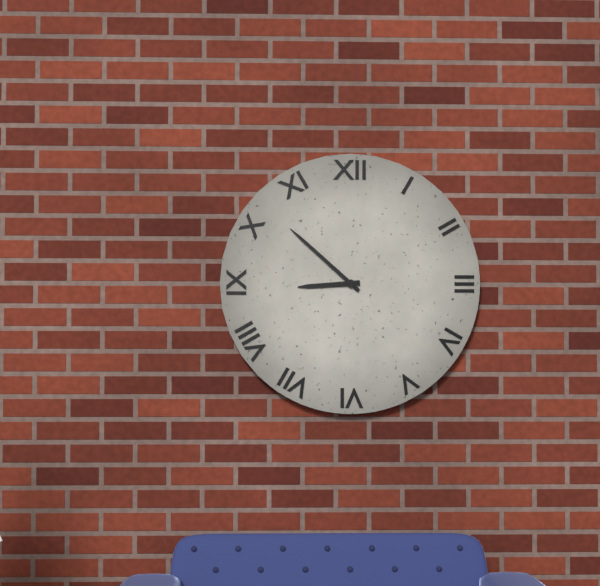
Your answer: 8,52
